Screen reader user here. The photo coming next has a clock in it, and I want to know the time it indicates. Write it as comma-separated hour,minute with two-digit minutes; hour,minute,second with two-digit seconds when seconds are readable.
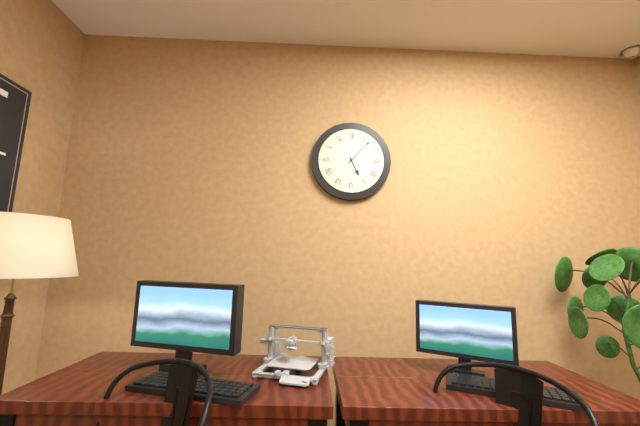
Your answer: 5,07
